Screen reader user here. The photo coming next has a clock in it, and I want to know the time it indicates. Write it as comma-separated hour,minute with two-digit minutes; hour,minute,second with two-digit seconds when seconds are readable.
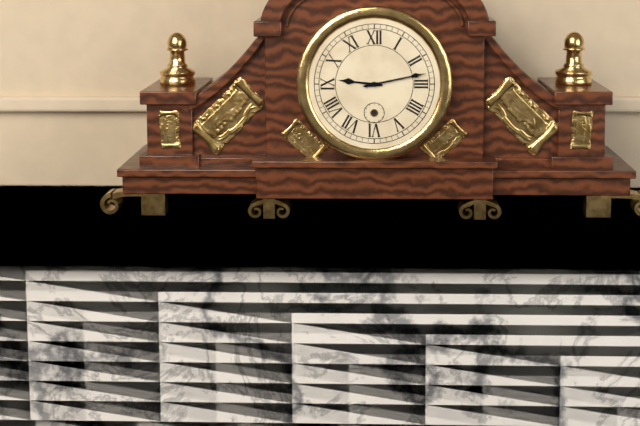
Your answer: 9,13
